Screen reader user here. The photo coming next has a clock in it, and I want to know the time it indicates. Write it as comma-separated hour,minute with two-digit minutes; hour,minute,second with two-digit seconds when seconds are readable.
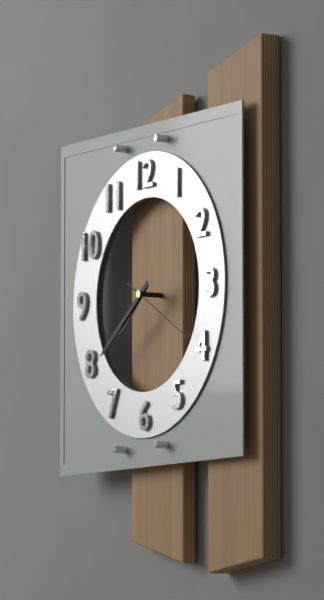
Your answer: 7,39,20
